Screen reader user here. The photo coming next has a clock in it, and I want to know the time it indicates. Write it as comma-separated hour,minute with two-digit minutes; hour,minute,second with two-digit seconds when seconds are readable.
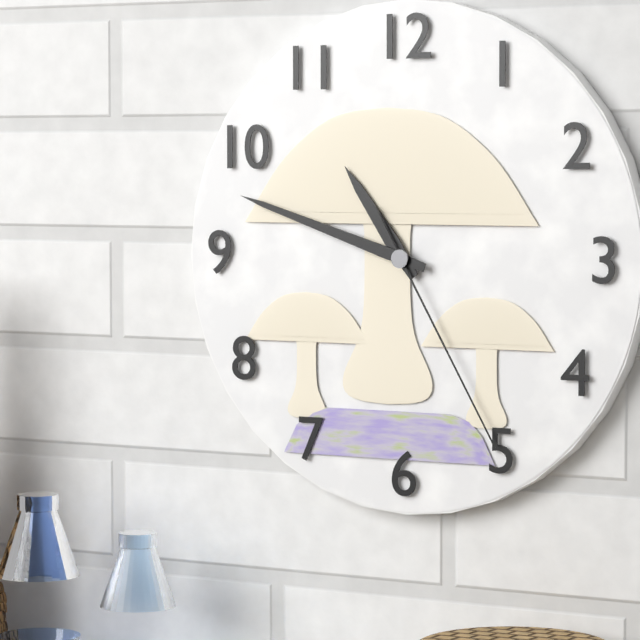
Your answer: 10,48,25
